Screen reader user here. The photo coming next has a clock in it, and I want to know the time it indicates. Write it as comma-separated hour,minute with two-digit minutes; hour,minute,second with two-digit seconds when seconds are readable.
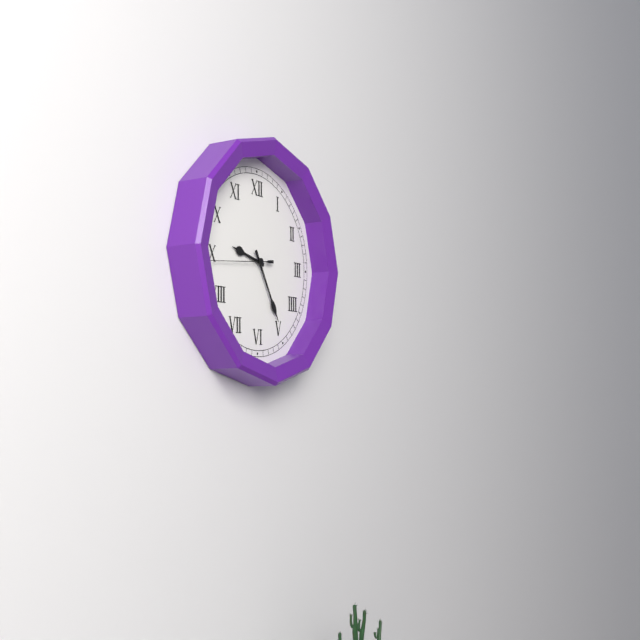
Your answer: 9,25,44
